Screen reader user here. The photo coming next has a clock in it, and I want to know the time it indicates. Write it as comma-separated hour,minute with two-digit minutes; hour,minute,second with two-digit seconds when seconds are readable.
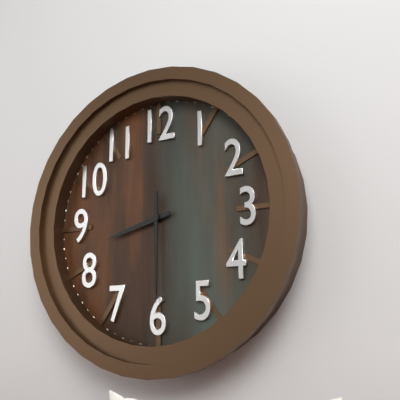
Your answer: 8,30
